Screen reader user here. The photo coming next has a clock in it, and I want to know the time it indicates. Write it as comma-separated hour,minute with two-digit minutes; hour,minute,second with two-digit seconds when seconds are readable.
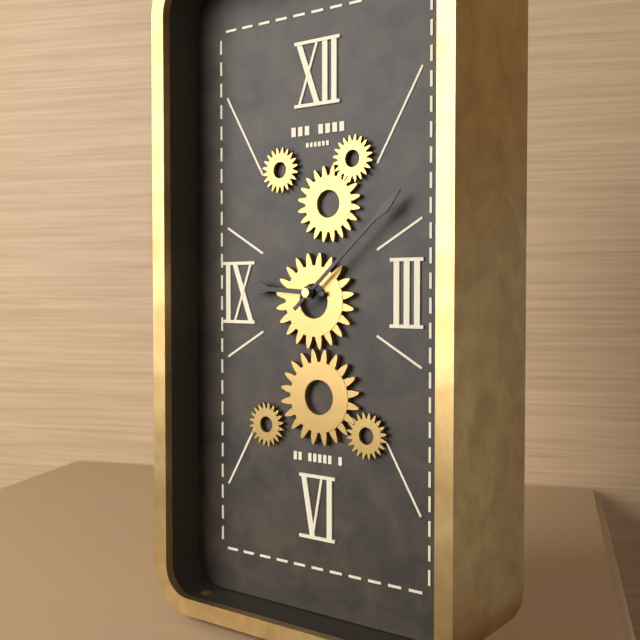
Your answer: 9,08
